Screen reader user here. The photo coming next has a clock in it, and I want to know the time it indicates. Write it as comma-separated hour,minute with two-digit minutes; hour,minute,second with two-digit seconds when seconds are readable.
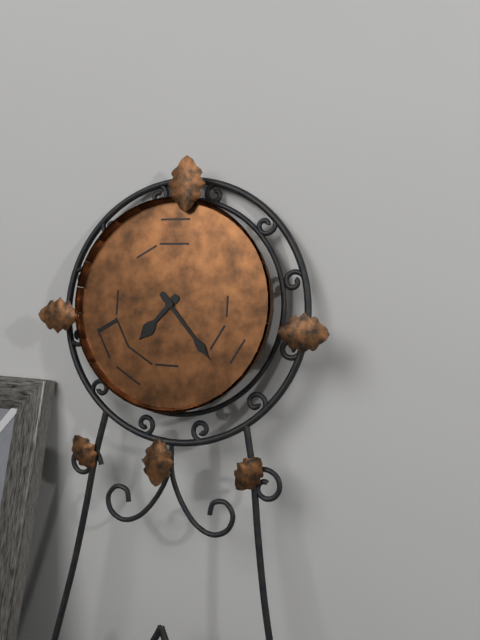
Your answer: 7,23
